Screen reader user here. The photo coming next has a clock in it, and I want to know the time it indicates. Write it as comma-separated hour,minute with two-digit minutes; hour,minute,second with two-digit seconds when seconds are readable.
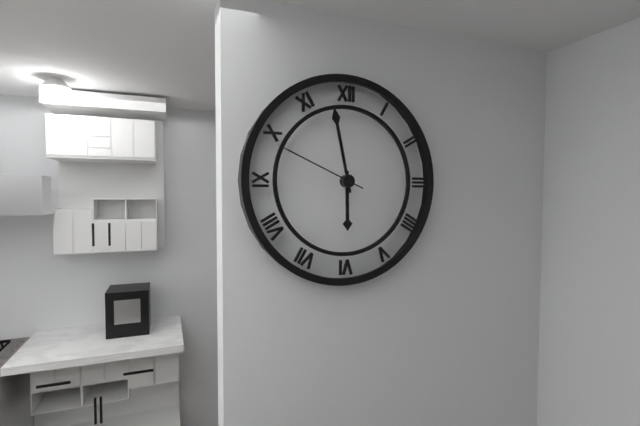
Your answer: 5,58,49
